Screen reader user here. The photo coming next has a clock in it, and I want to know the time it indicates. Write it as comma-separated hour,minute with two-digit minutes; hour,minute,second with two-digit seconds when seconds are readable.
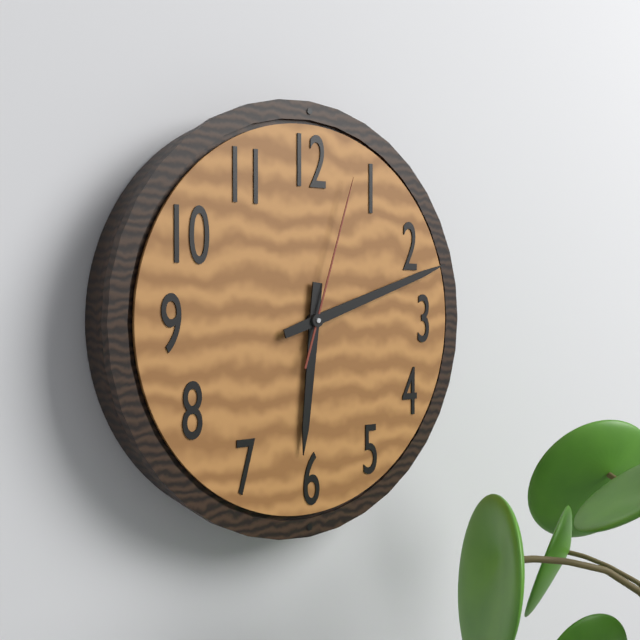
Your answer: 6,12,03
